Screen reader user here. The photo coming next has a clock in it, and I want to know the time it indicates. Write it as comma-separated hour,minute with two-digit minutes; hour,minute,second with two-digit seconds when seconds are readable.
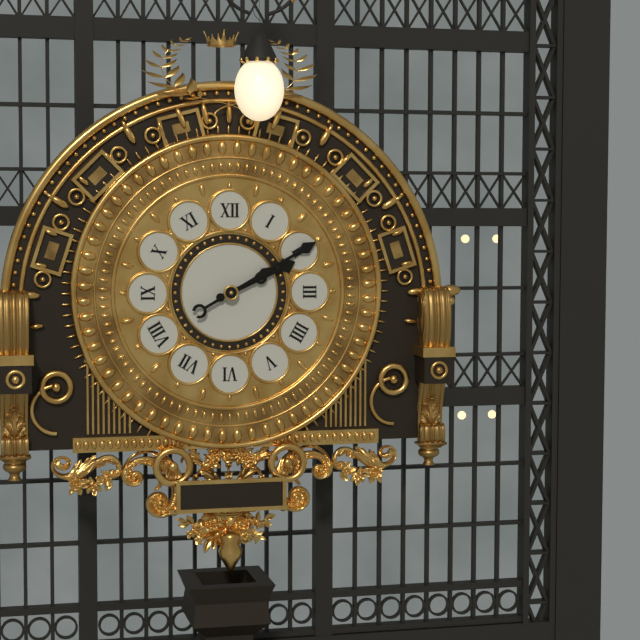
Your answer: 2,10
